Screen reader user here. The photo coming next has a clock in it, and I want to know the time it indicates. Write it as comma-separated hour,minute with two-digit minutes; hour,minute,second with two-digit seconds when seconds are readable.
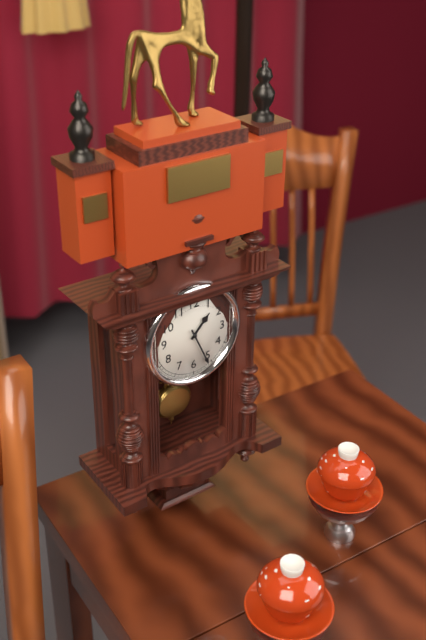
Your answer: 1,26
